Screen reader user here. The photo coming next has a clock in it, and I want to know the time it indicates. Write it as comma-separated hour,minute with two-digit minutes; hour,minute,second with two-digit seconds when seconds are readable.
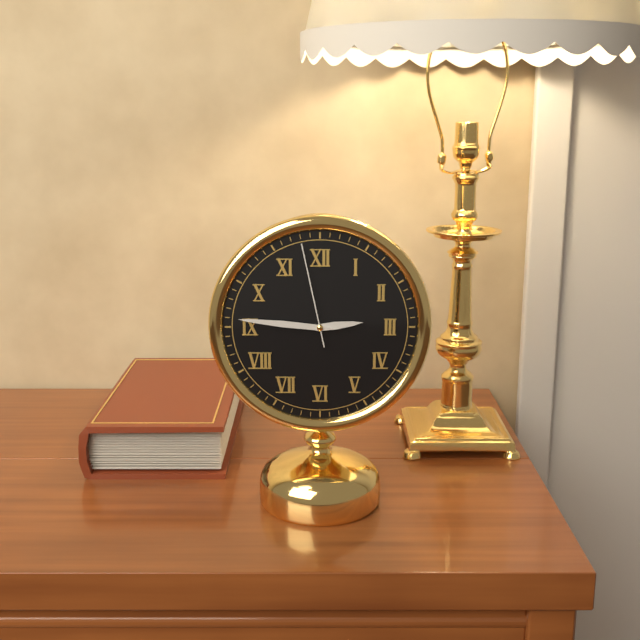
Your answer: 2,46,58
